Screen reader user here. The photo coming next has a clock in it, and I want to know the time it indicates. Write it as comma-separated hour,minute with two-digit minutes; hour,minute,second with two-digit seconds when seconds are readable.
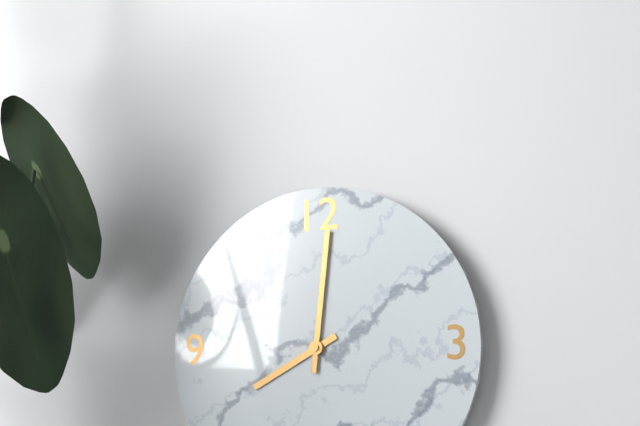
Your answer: 8,01
